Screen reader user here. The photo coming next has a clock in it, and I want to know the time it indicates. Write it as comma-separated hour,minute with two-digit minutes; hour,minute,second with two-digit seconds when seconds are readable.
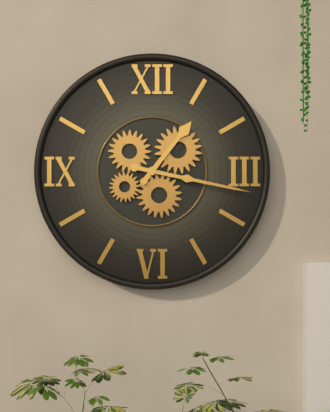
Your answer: 1,17
